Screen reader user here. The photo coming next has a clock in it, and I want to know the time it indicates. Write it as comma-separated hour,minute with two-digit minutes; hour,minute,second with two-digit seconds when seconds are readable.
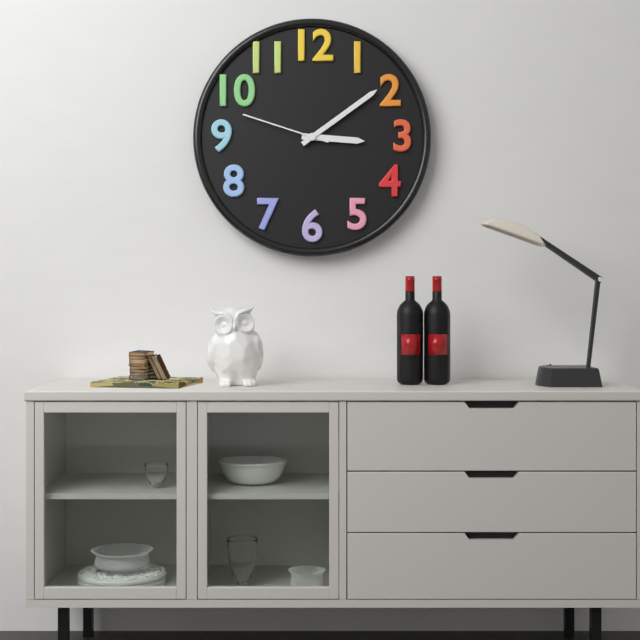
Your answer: 3,09,48
